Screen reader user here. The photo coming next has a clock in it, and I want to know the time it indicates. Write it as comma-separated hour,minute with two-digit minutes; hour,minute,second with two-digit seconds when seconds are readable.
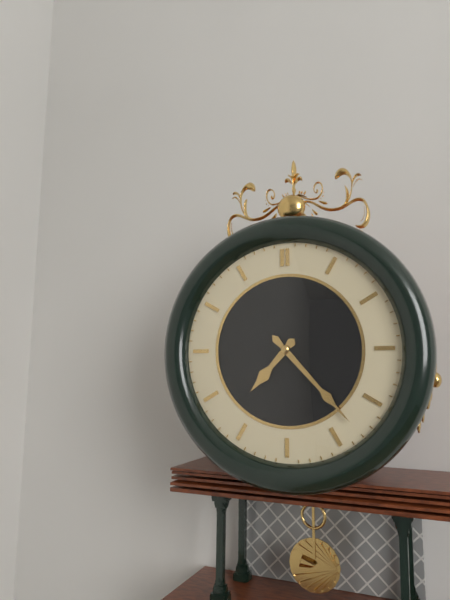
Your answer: 7,23
